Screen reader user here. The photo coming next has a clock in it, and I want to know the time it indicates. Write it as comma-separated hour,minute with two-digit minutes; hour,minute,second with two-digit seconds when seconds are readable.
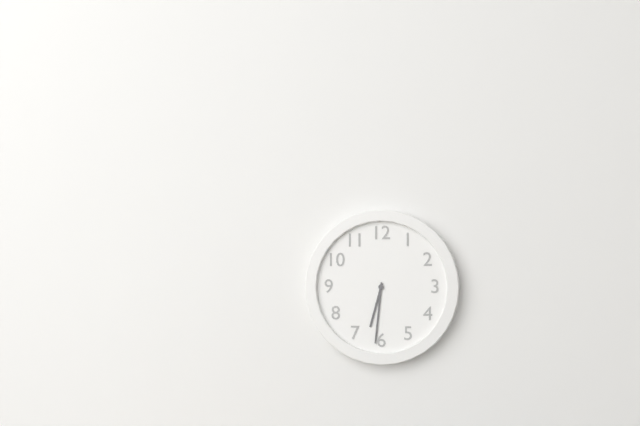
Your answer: 6,31
